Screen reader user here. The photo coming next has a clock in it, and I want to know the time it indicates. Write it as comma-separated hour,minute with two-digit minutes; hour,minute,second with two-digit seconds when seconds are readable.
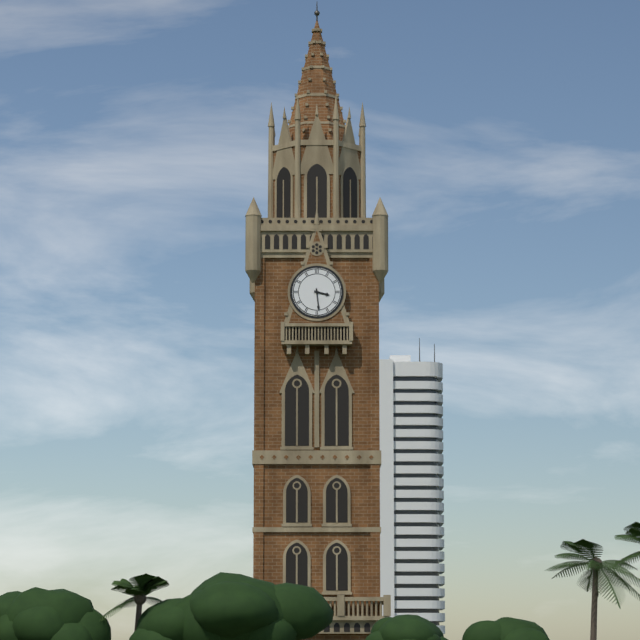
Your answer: 3,29
